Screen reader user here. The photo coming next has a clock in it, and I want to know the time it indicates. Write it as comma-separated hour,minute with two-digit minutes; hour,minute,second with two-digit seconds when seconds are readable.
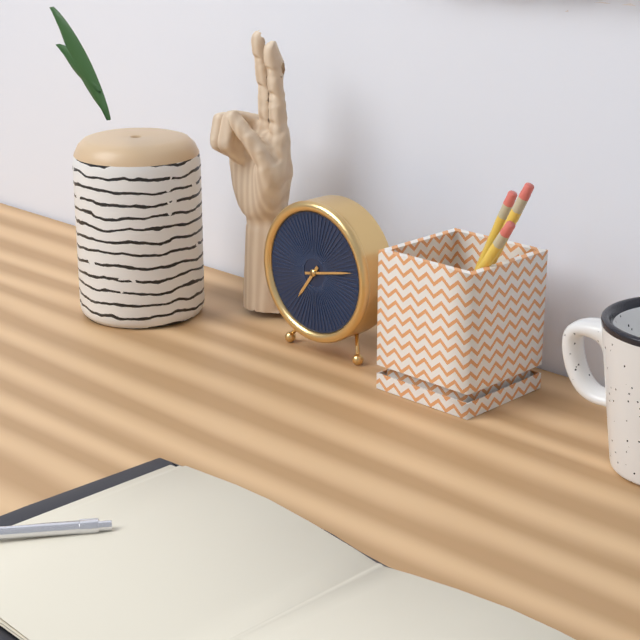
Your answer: 7,13
